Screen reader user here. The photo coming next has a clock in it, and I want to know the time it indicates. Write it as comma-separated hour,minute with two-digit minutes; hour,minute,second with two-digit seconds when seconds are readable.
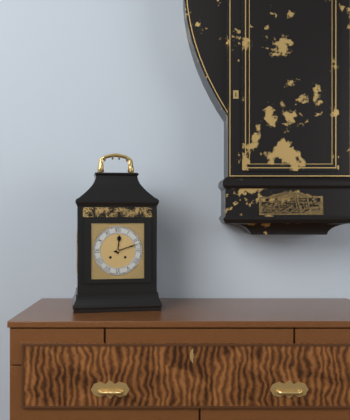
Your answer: 12,12
